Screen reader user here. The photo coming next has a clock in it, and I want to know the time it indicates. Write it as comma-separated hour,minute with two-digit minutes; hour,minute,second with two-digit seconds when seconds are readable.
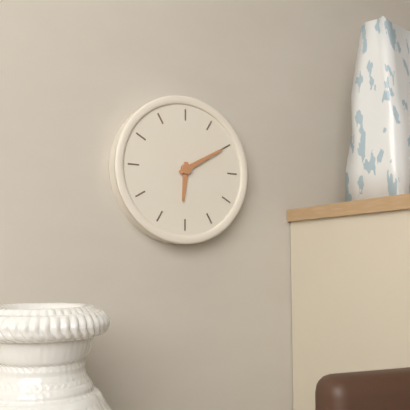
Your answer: 6,10
